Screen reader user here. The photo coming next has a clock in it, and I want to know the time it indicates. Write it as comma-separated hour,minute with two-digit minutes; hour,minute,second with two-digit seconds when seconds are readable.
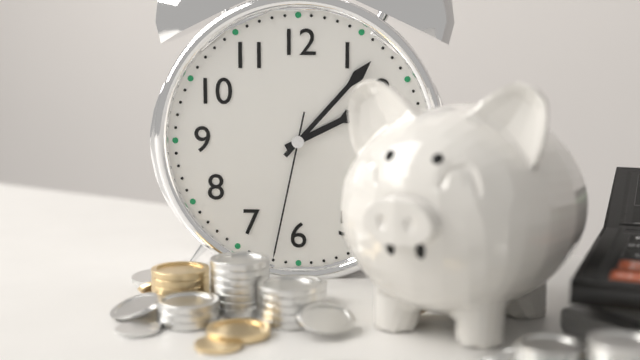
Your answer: 2,07,32
